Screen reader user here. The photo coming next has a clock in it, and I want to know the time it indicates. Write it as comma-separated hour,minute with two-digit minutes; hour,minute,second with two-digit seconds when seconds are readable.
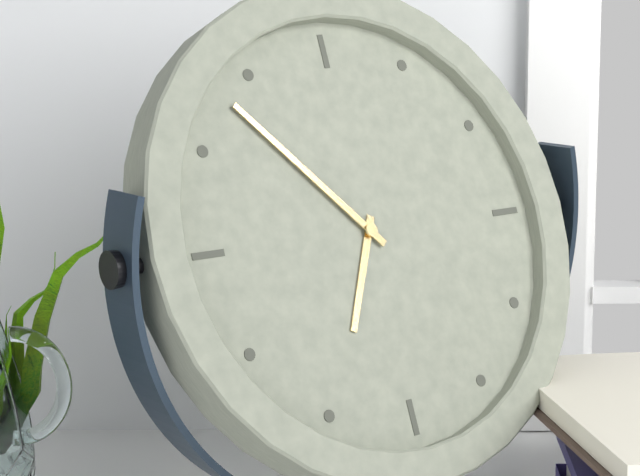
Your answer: 6,53
